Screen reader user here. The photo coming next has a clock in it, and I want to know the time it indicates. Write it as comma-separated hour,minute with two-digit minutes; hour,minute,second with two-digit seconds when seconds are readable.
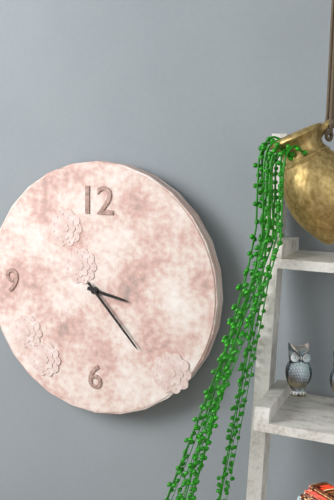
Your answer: 3,23
